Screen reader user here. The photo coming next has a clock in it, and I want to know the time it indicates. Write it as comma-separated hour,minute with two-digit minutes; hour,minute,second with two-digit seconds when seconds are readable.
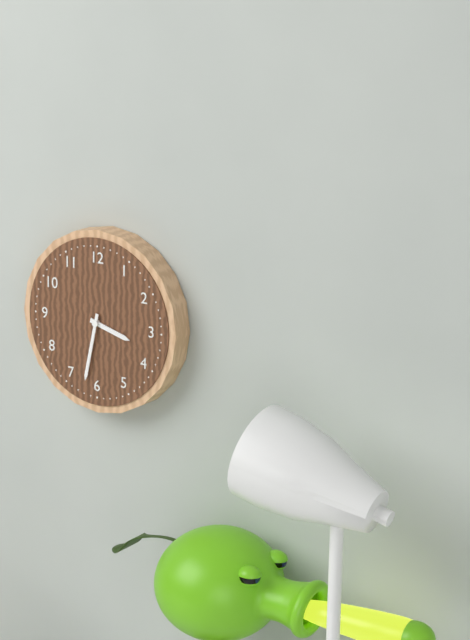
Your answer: 3,32
